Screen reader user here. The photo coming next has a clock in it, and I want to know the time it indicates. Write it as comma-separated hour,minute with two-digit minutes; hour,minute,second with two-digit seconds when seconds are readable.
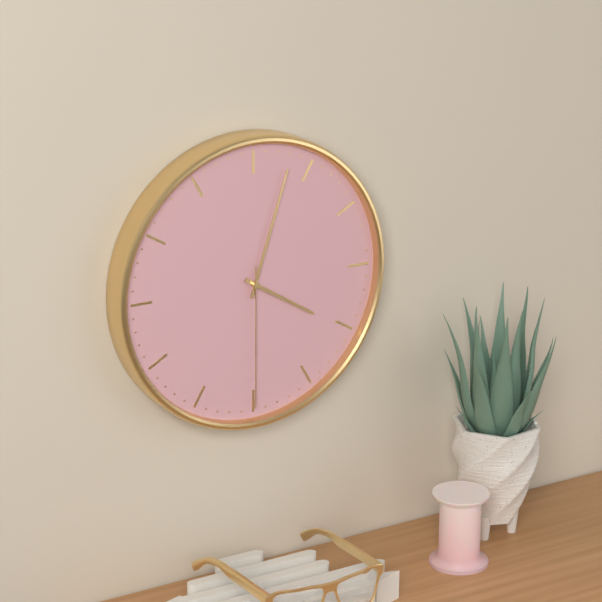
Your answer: 4,03,30
